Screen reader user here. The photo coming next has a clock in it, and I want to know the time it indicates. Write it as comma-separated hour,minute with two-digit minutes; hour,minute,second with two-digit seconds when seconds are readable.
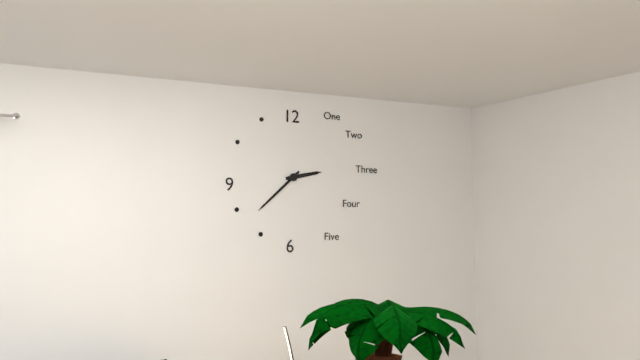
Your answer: 2,38
